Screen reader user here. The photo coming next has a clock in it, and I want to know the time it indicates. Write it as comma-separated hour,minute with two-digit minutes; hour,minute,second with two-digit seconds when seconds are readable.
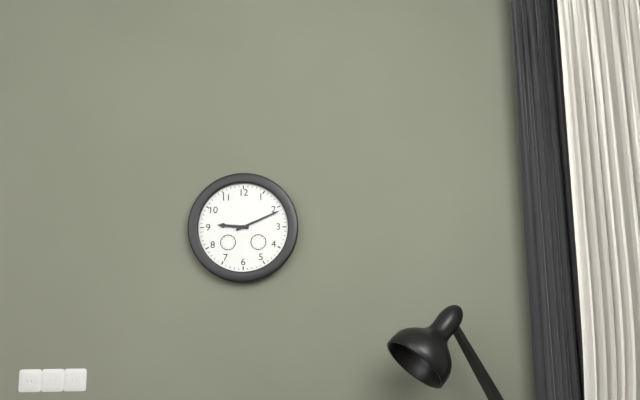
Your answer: 9,11
